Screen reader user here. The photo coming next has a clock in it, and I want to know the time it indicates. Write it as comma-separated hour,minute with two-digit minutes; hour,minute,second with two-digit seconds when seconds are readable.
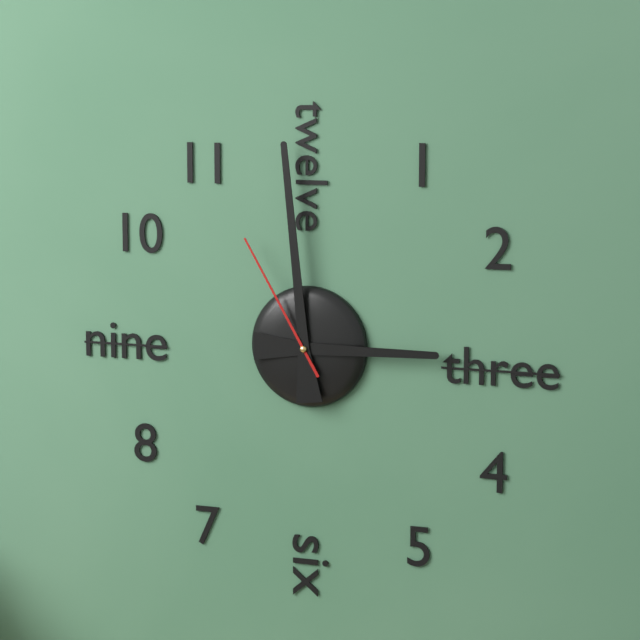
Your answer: 2,59,55
